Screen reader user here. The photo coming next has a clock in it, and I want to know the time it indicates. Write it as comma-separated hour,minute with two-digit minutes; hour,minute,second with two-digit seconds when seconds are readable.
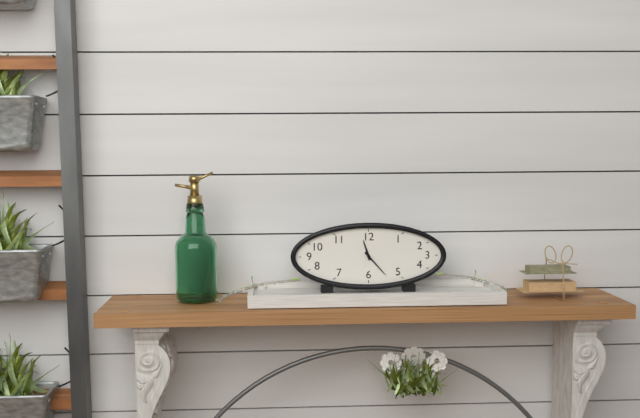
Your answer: 11,23
